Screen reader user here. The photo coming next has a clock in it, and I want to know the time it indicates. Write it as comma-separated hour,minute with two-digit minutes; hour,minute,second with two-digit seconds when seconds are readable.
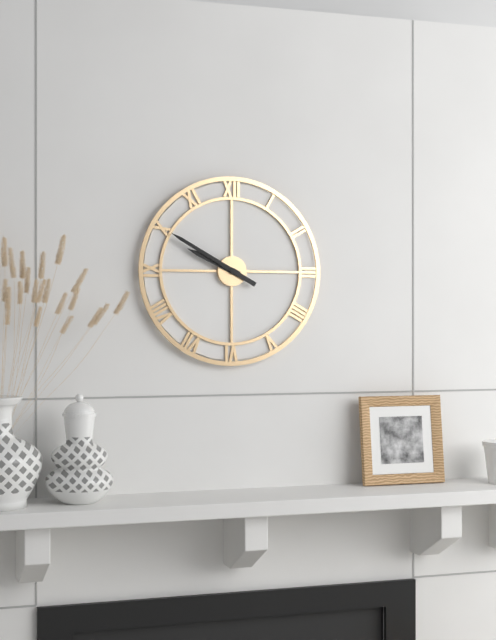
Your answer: 9,50
